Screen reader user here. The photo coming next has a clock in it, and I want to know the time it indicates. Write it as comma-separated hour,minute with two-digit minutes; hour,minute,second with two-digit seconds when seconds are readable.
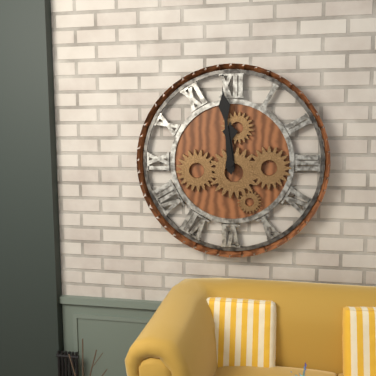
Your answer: 11,59
